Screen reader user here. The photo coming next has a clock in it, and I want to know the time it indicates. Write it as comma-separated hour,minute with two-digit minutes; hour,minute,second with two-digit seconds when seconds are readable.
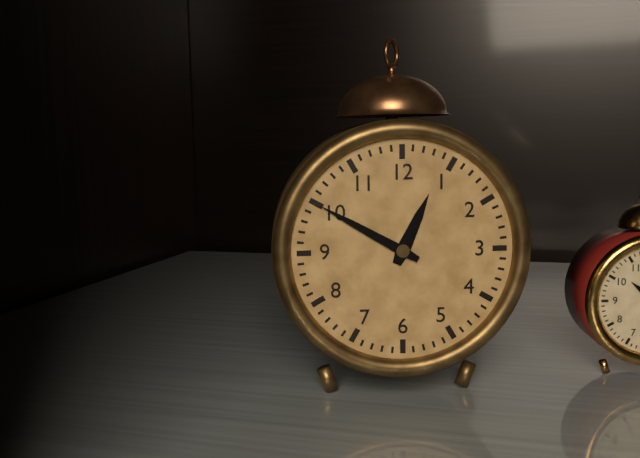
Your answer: 12,50
